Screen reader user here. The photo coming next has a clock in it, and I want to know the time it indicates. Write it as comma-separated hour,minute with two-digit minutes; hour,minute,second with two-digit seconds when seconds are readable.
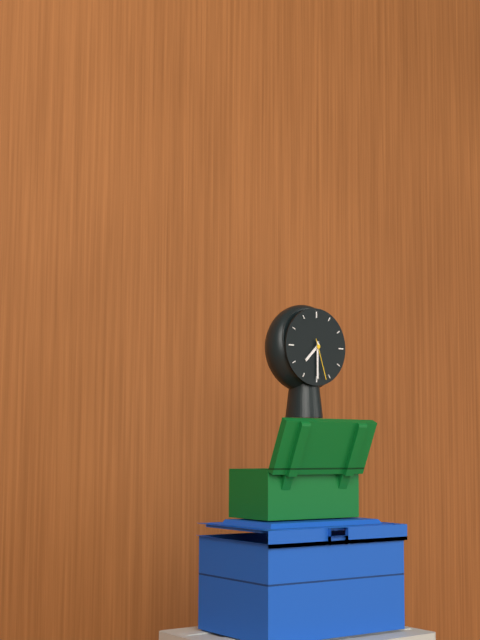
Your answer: 7,30
